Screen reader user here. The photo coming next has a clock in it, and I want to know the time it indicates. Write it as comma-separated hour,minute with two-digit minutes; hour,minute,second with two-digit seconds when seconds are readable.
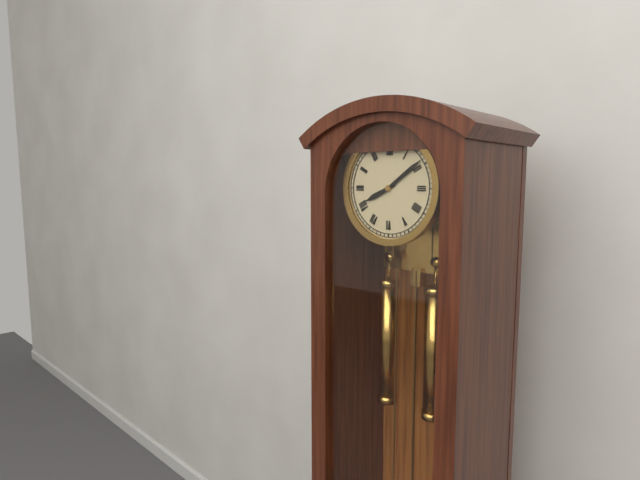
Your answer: 8,09
